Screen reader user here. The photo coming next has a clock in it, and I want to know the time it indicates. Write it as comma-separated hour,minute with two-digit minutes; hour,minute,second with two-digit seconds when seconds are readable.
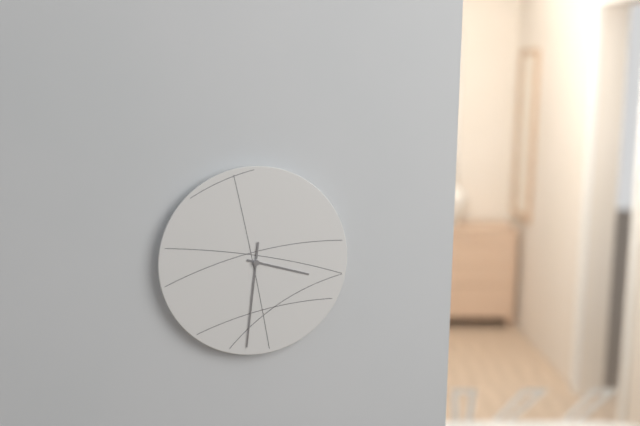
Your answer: 3,31
